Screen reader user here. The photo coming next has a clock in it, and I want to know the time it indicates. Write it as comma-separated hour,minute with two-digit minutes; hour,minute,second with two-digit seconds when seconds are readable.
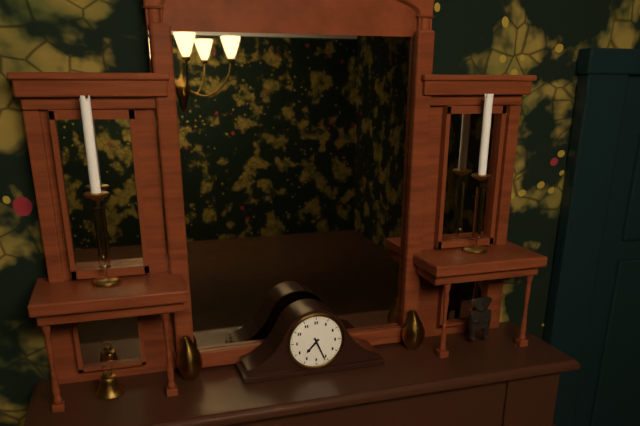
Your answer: 7,26
